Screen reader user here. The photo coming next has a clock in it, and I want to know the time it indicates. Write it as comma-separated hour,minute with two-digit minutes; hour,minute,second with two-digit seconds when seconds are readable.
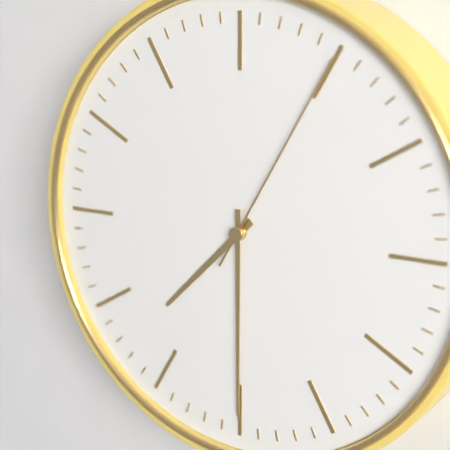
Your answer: 7,30,05
